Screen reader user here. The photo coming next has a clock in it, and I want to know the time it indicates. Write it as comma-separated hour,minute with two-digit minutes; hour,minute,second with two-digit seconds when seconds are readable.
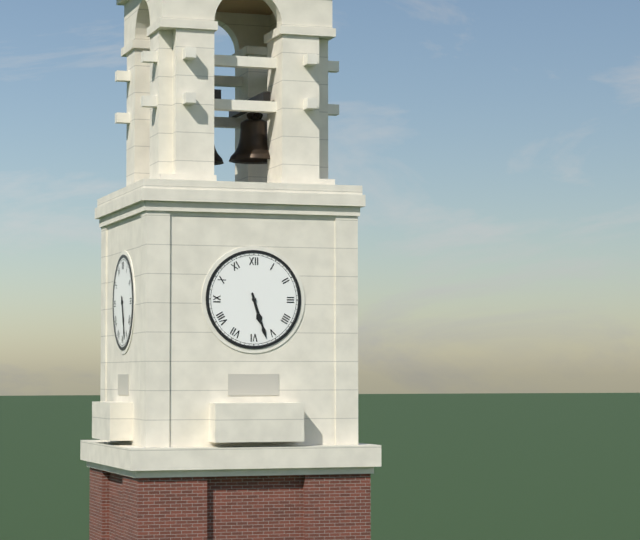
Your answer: 5,27
